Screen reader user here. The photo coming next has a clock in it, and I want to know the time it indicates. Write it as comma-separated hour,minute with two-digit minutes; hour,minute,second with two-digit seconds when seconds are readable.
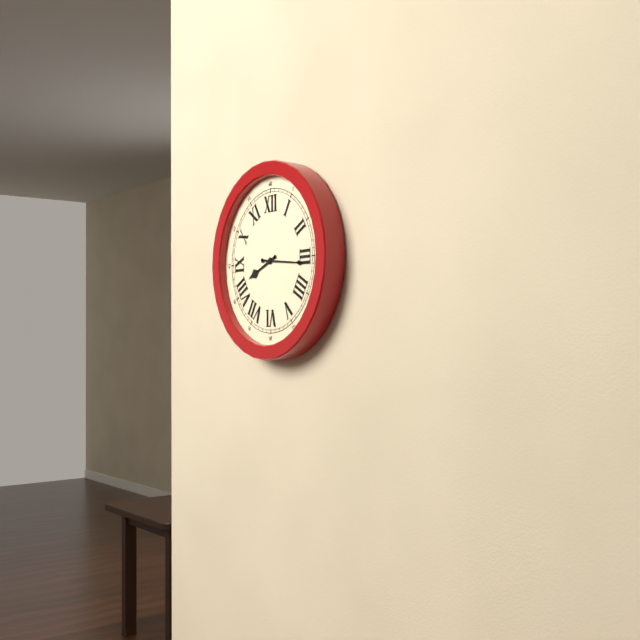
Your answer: 8,16
